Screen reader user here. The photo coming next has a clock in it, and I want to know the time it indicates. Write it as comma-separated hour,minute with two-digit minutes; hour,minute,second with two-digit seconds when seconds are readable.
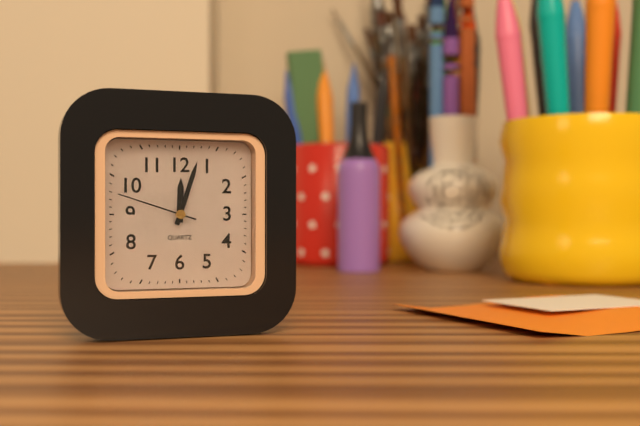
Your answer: 12,03,48
